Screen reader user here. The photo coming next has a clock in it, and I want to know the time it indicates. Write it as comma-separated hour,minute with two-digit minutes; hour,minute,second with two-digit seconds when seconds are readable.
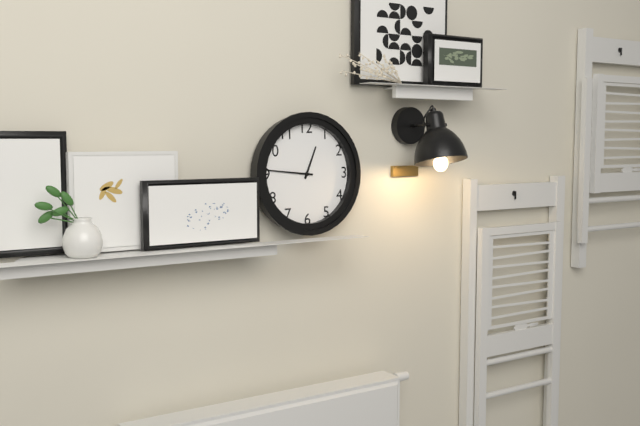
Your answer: 12,46
